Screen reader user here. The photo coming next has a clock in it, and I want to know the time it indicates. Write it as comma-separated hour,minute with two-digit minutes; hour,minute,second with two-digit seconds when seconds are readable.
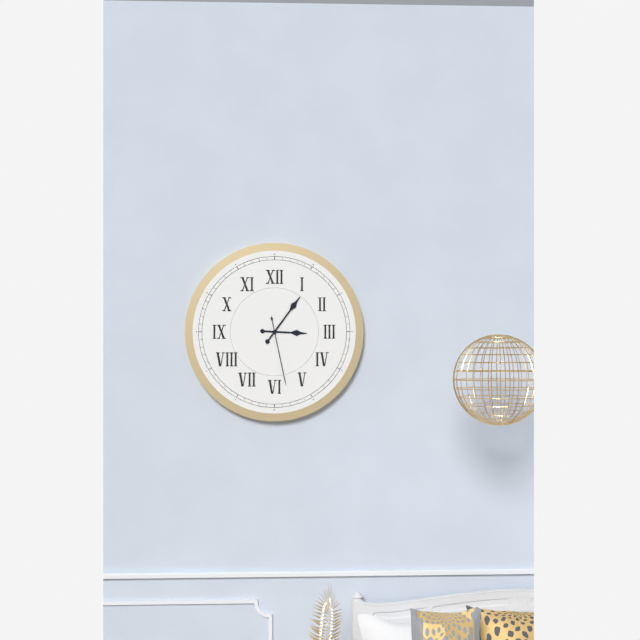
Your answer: 3,06,28
